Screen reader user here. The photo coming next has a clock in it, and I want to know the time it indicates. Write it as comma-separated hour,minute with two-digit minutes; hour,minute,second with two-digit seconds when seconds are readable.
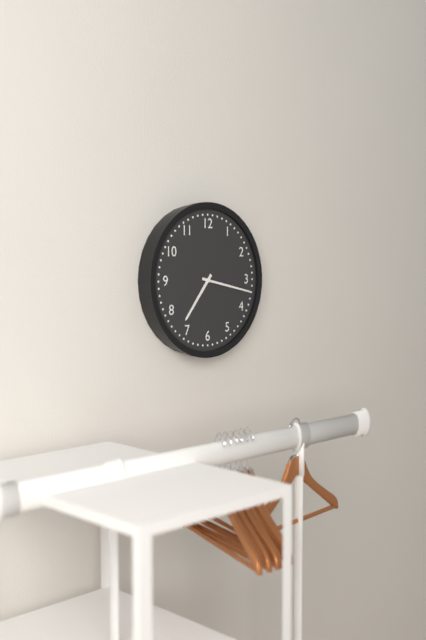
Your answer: 7,17
